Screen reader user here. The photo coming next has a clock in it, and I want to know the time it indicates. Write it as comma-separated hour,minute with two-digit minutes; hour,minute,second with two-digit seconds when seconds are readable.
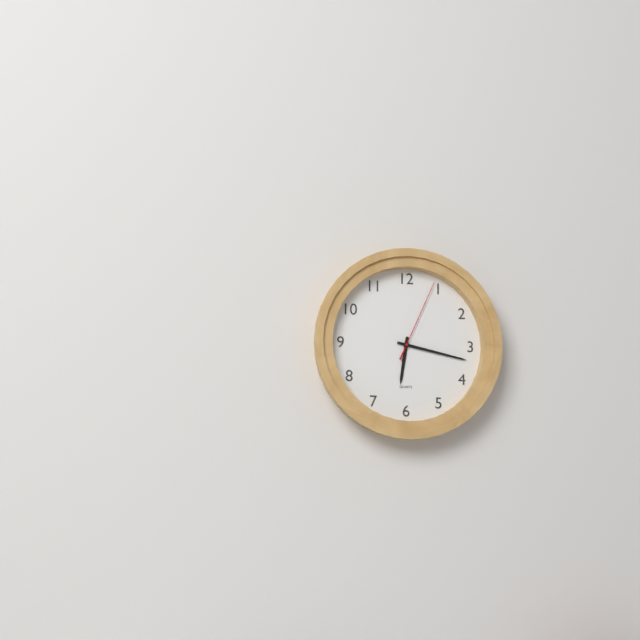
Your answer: 6,17,04
